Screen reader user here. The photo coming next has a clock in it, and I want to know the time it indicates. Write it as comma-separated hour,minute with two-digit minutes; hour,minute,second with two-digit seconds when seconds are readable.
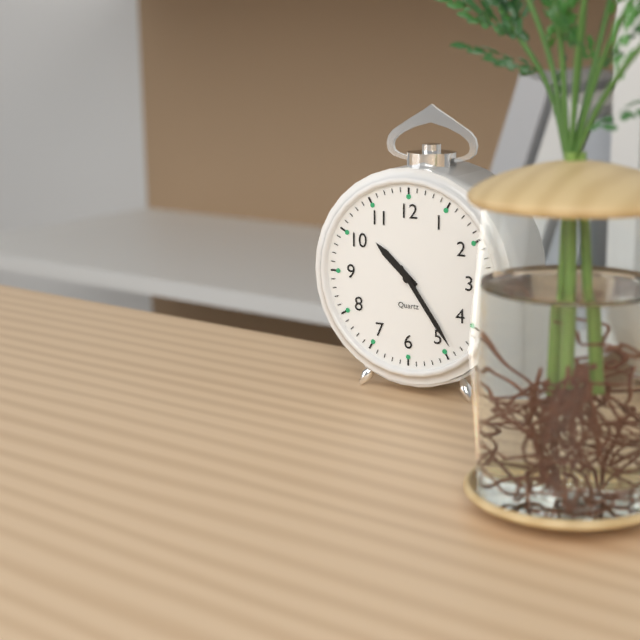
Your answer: 10,24
